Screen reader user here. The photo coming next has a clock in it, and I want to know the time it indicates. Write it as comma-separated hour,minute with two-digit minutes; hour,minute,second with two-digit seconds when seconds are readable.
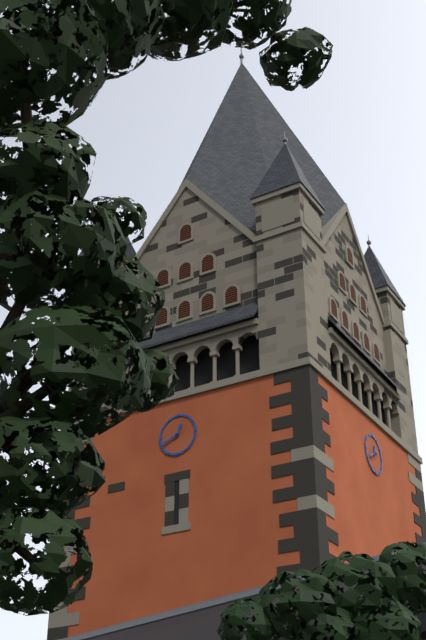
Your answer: 12,41
